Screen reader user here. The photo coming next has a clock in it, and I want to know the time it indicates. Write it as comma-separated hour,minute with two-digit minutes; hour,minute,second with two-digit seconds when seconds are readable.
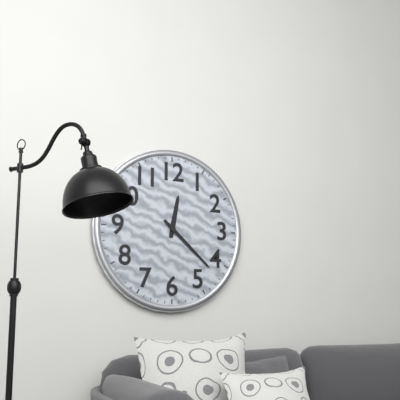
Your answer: 12,22
